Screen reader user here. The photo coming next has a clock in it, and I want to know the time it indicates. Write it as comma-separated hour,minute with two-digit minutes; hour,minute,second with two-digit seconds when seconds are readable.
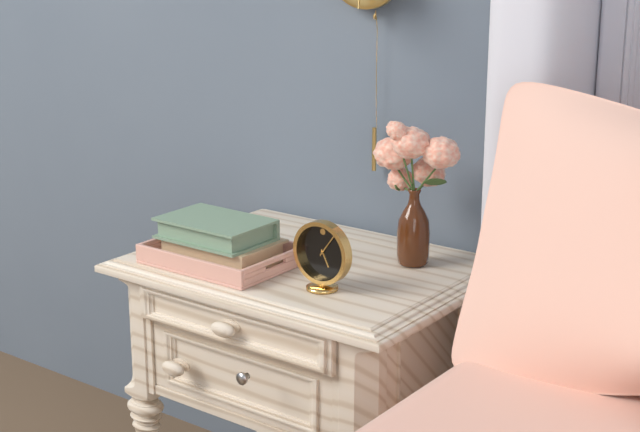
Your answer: 5,06
